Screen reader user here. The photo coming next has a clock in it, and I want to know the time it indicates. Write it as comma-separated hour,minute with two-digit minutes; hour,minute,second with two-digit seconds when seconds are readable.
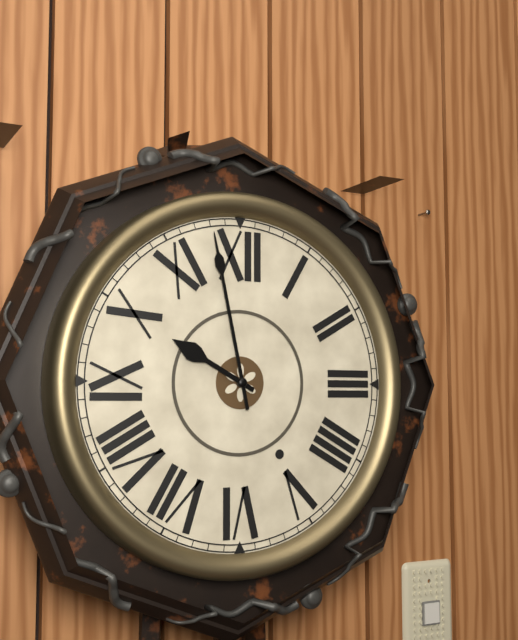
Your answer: 9,58
